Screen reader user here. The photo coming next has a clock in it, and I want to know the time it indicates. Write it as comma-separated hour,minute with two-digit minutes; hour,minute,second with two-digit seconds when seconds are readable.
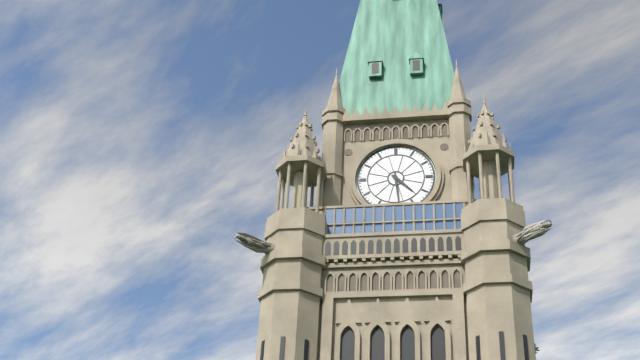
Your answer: 4,29
